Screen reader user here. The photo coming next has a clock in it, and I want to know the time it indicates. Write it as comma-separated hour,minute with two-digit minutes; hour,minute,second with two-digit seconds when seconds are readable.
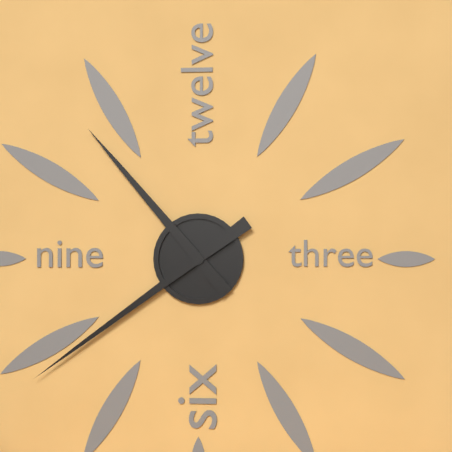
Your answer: 10,39
